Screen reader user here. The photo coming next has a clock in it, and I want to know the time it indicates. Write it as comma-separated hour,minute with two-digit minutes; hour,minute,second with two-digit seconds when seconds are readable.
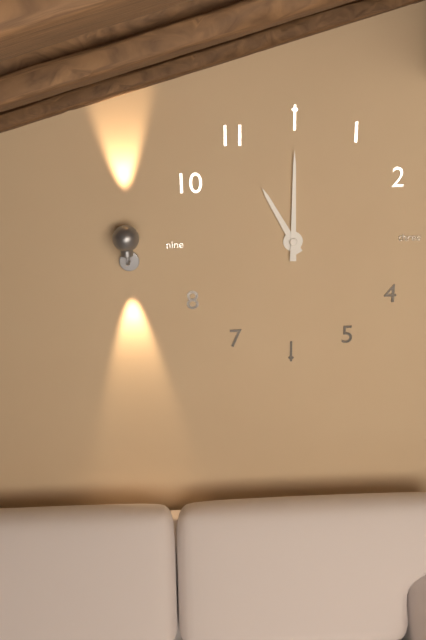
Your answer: 11,00
